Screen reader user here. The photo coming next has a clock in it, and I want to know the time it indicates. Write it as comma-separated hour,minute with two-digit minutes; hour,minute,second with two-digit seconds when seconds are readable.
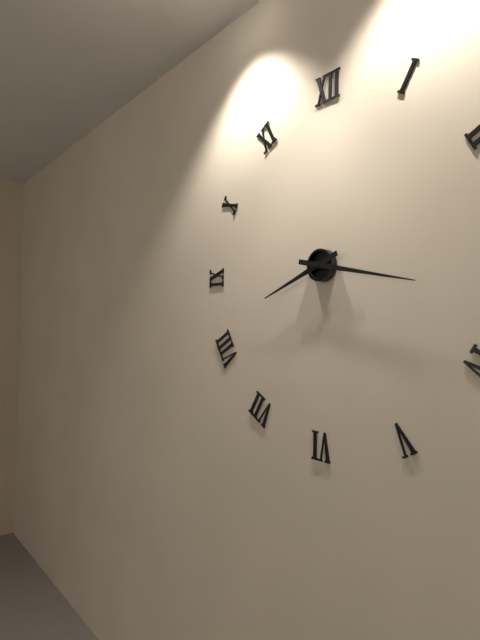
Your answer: 8,17
